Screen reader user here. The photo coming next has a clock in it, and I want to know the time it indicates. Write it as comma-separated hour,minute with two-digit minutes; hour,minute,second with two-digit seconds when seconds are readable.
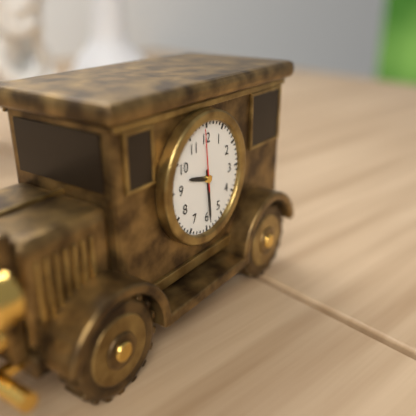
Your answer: 9,29,59
